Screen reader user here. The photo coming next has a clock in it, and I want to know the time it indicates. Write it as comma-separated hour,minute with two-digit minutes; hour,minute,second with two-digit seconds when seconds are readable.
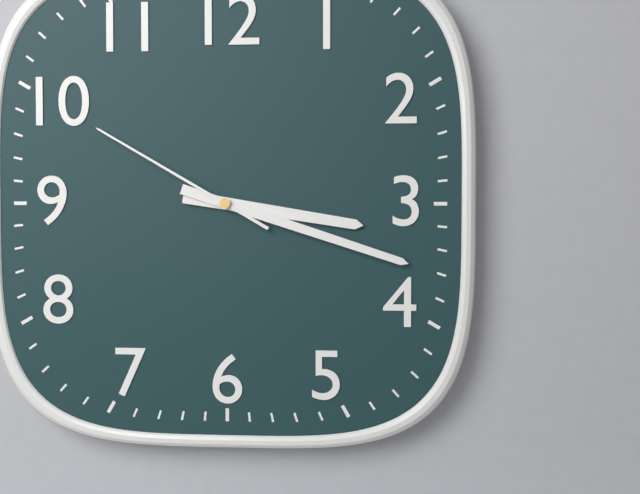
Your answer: 3,18,50
